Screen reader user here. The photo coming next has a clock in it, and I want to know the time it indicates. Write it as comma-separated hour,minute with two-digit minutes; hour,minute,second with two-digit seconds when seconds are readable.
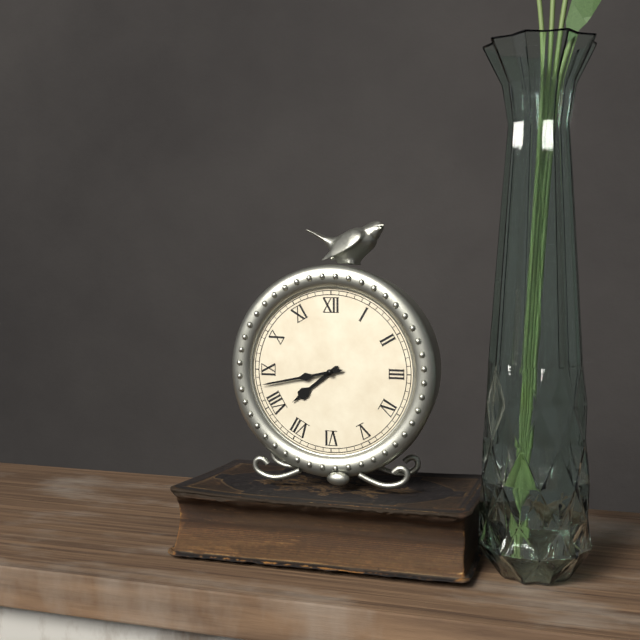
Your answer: 7,43
